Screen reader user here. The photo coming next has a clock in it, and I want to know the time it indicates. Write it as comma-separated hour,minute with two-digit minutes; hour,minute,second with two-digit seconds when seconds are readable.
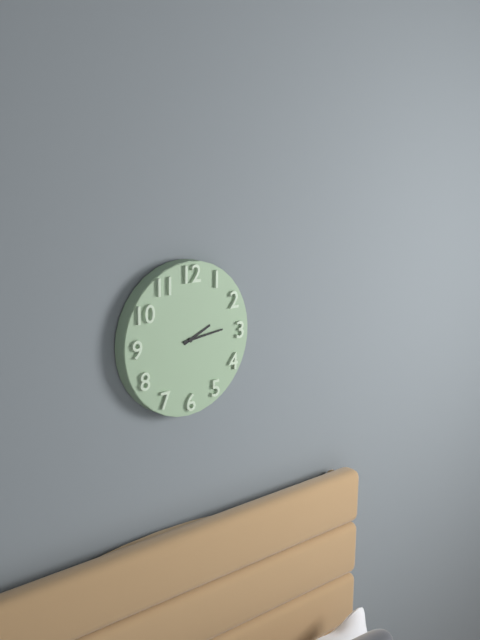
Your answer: 2,14
